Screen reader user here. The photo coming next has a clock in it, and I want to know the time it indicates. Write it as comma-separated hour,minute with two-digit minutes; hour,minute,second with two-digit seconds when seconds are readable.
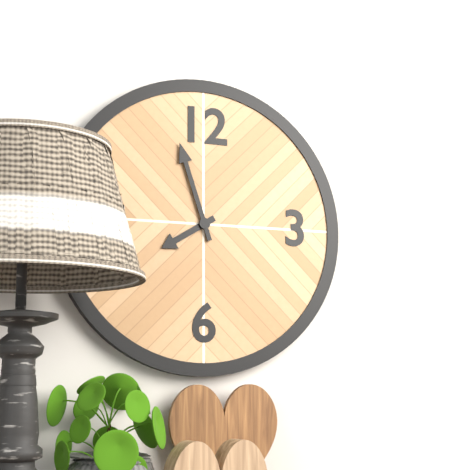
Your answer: 7,57
